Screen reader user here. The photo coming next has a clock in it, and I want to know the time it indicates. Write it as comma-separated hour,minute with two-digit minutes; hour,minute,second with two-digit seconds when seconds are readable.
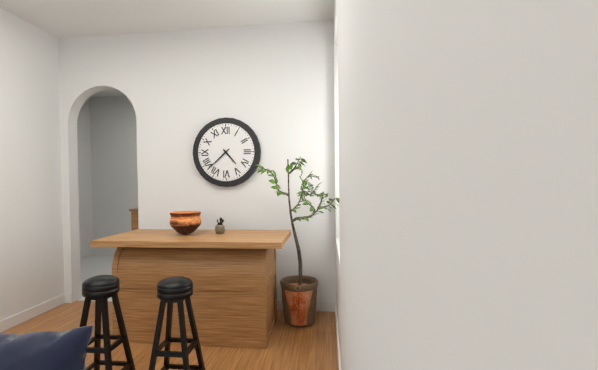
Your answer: 4,38
